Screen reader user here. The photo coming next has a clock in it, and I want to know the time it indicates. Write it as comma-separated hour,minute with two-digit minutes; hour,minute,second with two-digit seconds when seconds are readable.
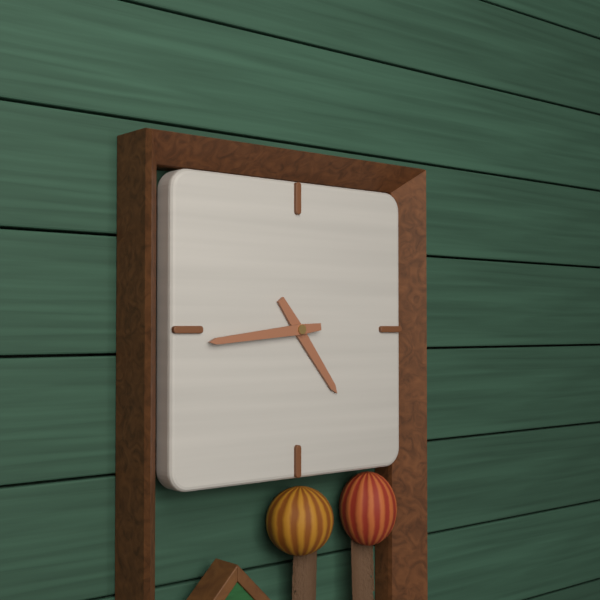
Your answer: 4,44
